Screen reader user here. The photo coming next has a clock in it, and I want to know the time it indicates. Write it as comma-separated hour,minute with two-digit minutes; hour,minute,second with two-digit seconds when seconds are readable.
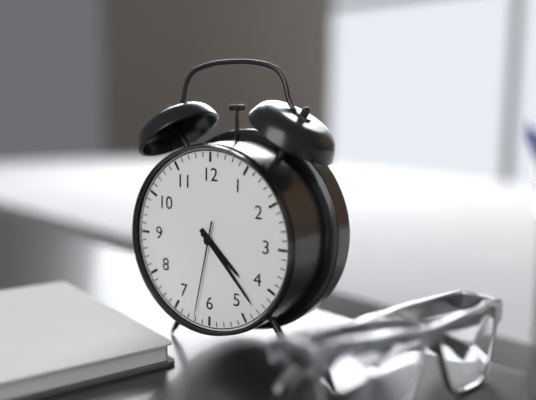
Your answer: 4,23,32
